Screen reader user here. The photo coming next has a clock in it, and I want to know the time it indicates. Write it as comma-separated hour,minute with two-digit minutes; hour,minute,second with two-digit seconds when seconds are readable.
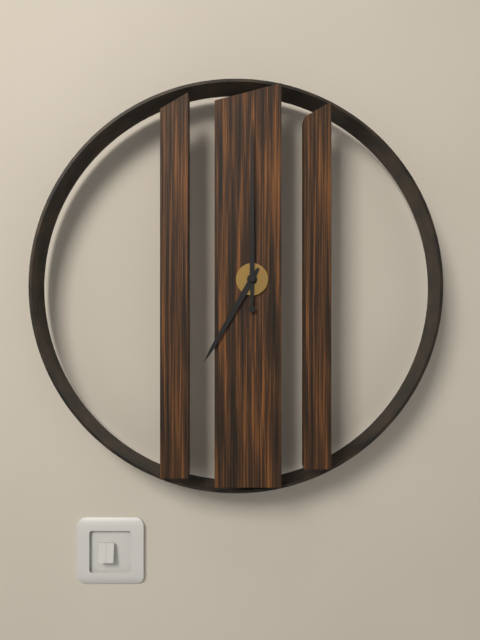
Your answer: 7,00
